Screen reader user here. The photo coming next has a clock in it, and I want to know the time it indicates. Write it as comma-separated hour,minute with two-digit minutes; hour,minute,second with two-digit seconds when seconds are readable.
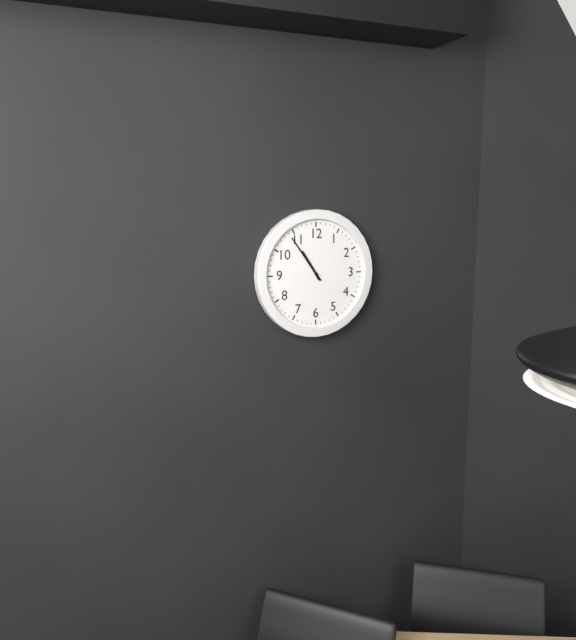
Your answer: 10,54
